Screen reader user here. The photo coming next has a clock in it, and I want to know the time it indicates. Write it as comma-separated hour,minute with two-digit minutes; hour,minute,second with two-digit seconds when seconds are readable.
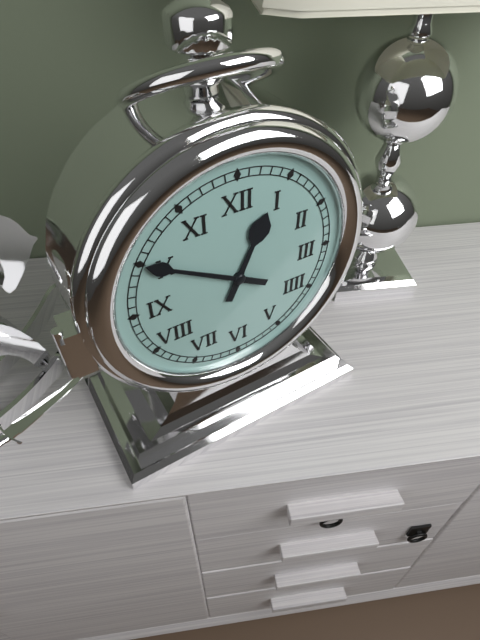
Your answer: 12,50
